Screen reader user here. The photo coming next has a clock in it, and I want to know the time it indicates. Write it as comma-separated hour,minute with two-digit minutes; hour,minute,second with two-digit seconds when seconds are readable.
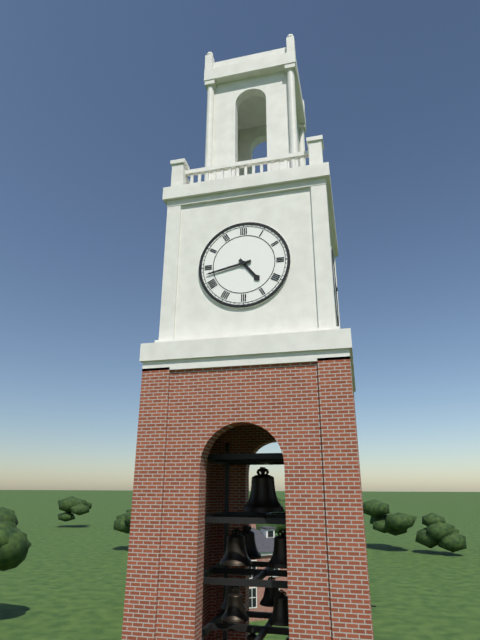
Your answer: 4,43
